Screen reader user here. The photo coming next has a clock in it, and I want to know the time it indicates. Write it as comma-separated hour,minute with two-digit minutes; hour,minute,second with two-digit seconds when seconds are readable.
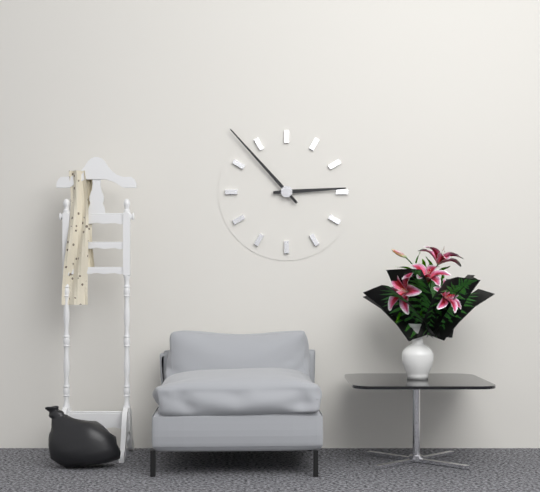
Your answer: 2,53
